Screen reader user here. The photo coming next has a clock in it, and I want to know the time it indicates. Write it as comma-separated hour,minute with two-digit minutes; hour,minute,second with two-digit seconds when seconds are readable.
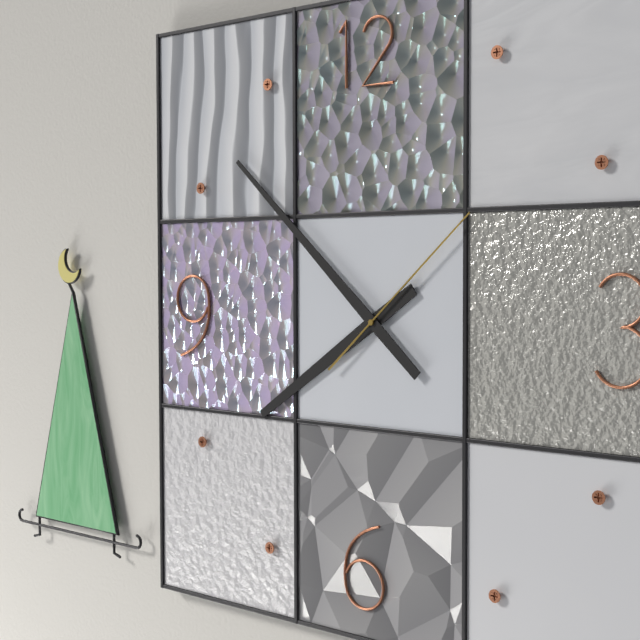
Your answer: 7,52,08
